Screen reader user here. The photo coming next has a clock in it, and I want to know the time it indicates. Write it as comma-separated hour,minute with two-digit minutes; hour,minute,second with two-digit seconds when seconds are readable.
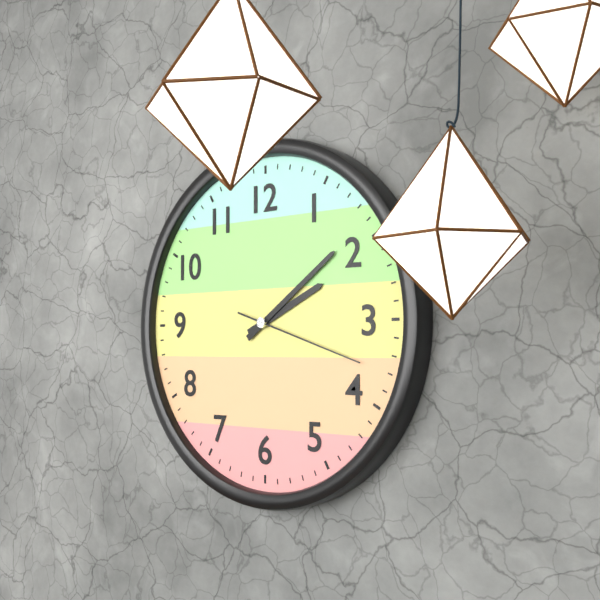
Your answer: 2,09,18
